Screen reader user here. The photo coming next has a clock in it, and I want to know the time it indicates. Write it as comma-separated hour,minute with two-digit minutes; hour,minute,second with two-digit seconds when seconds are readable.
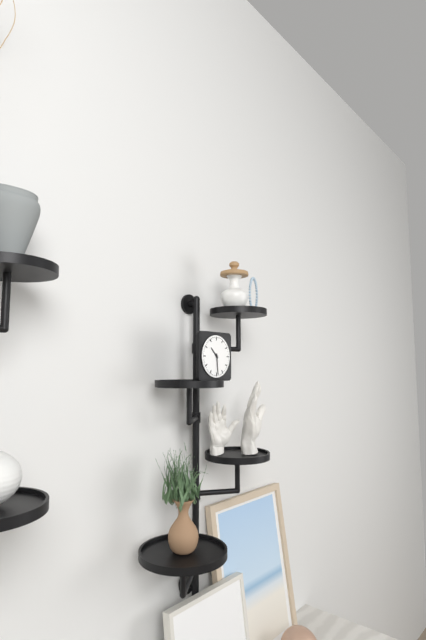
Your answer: 10,29
